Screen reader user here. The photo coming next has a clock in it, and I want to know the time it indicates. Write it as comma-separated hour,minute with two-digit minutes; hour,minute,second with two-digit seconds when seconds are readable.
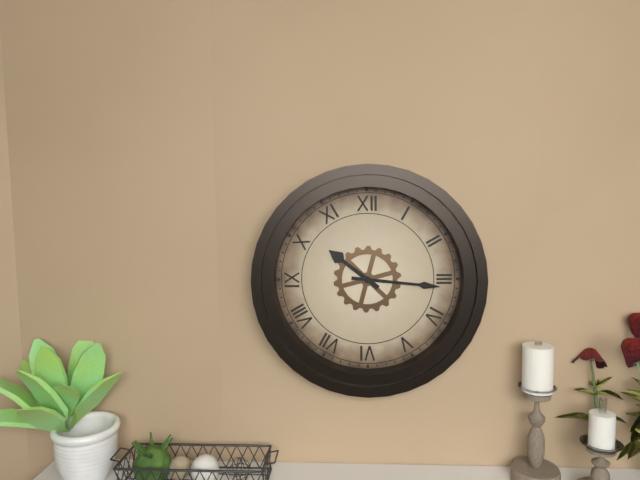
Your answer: 10,16
